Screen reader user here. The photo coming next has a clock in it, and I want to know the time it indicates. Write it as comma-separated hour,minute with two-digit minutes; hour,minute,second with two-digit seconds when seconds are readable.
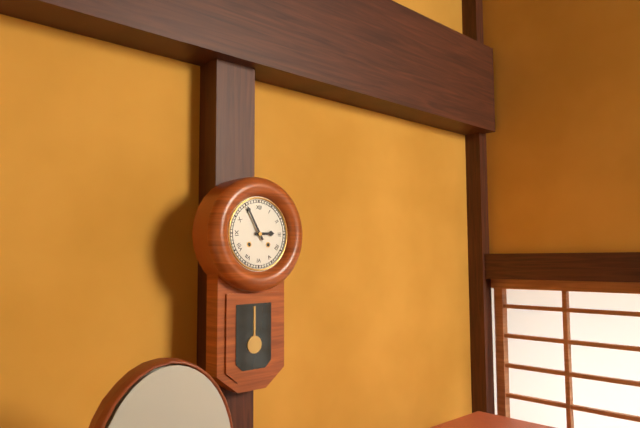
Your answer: 2,55
